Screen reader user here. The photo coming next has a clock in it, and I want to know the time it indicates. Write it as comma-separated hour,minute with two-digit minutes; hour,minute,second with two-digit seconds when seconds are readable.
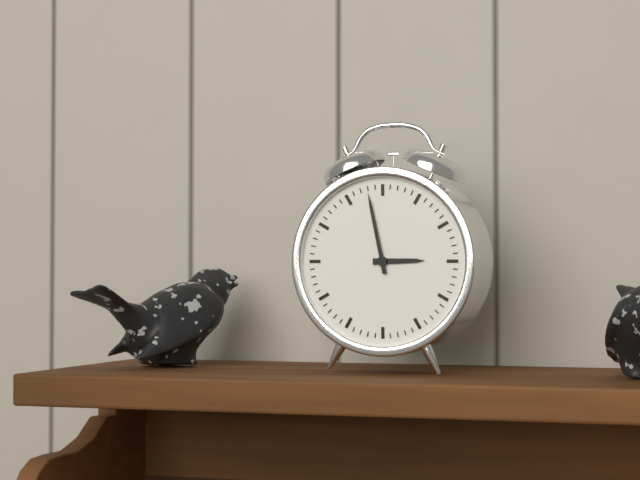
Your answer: 2,58
